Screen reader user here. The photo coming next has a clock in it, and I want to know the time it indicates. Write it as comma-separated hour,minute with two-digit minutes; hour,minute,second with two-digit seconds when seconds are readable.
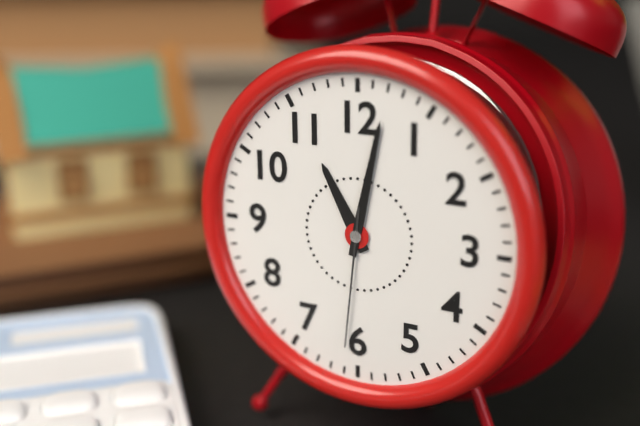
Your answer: 11,02,31
